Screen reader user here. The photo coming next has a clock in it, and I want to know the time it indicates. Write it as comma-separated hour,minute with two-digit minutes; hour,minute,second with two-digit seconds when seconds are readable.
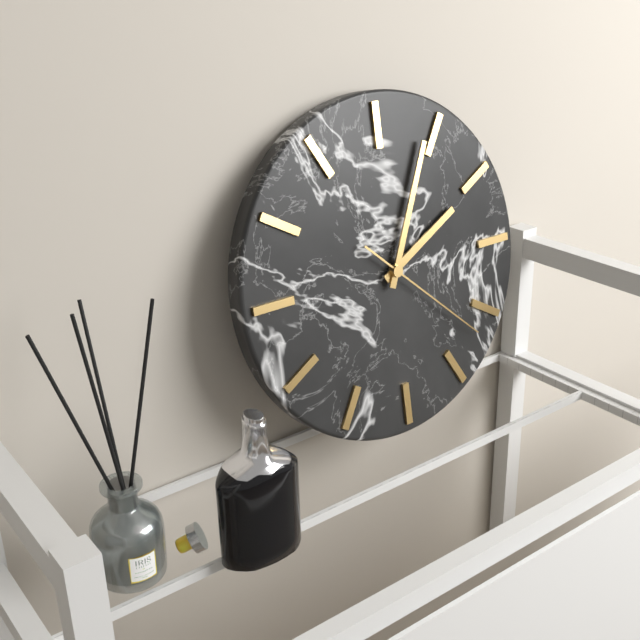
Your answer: 2,04,22
